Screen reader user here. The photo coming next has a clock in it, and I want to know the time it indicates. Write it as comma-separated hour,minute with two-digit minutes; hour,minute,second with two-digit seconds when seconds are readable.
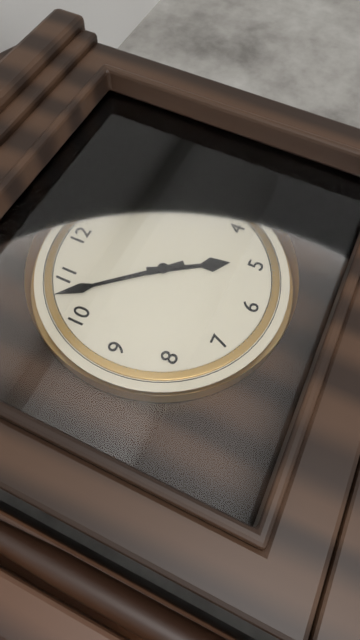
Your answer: 4,53
